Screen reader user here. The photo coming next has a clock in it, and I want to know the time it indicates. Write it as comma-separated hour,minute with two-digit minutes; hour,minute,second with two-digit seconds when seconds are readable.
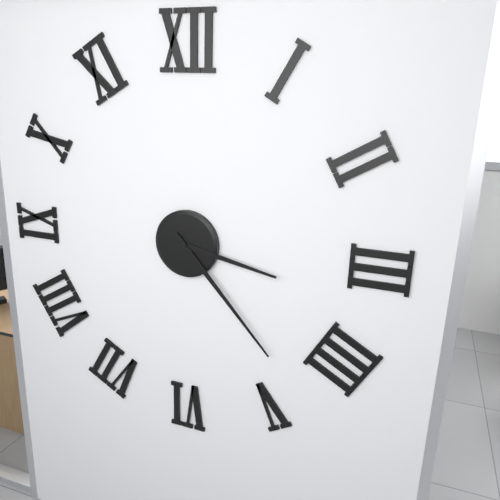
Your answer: 3,23
